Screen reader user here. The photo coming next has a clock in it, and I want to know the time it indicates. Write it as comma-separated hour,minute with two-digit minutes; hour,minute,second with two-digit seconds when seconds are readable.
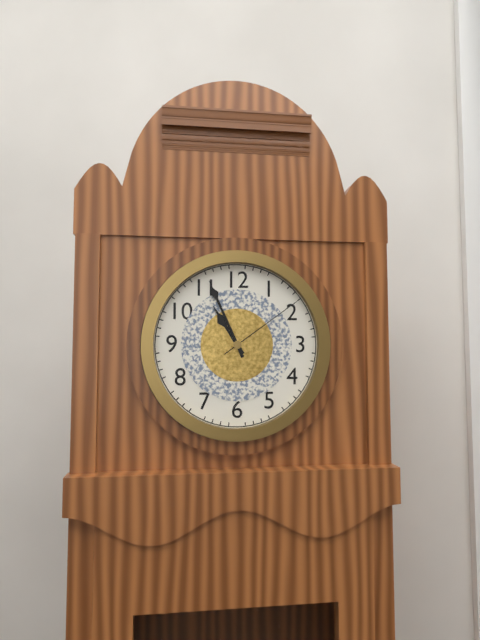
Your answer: 10,56,09
